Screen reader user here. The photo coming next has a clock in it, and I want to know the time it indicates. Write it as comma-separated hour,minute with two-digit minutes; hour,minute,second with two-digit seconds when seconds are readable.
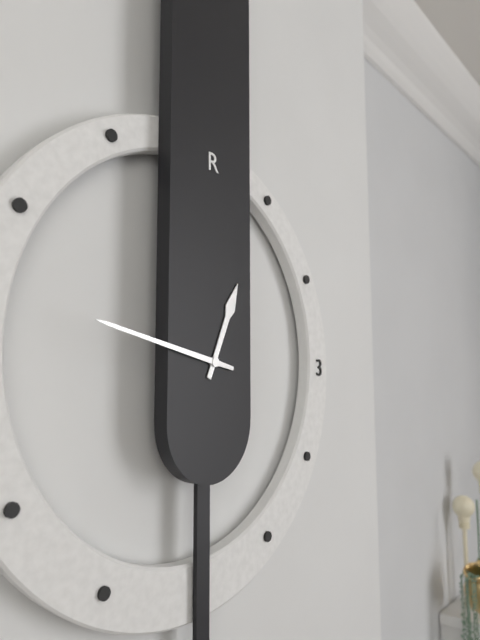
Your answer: 12,47
